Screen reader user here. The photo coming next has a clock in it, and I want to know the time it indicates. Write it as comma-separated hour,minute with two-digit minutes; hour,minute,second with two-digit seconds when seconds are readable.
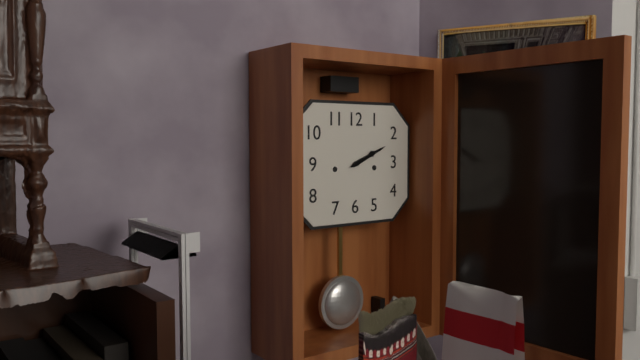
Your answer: 2,11
